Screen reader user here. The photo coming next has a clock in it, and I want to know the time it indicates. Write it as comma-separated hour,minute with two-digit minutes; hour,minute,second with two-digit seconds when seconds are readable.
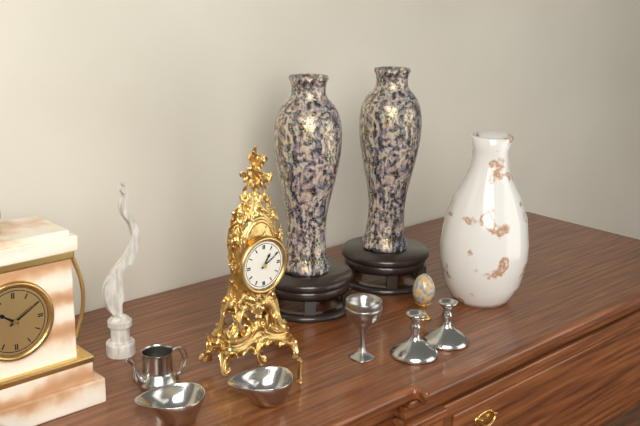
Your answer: 1,10
